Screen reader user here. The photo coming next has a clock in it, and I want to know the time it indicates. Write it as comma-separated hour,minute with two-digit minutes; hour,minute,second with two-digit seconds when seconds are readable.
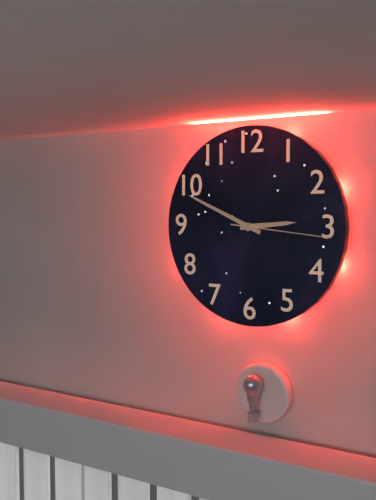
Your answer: 2,49,16
